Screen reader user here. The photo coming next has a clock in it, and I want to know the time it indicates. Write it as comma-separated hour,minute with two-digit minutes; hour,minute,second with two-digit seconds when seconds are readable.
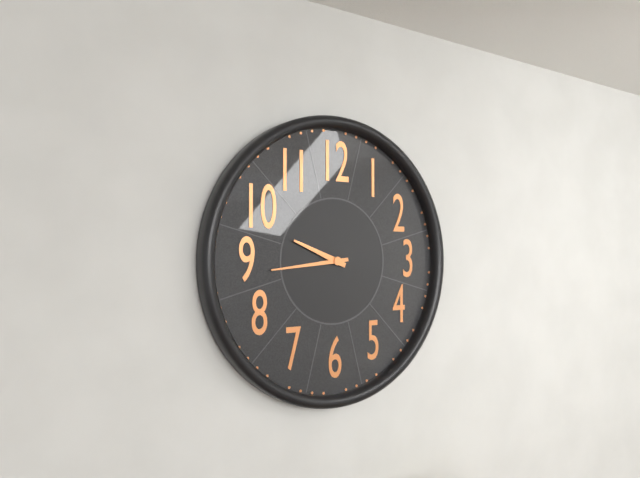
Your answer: 9,44
